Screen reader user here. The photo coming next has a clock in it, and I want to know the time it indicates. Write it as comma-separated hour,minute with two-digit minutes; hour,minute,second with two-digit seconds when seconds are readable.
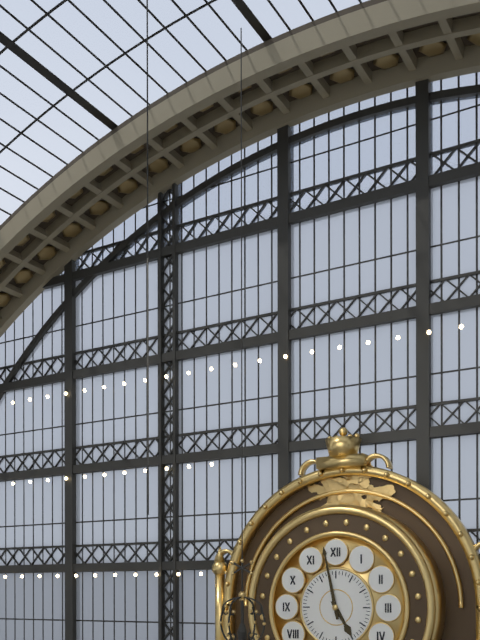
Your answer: 4,58
